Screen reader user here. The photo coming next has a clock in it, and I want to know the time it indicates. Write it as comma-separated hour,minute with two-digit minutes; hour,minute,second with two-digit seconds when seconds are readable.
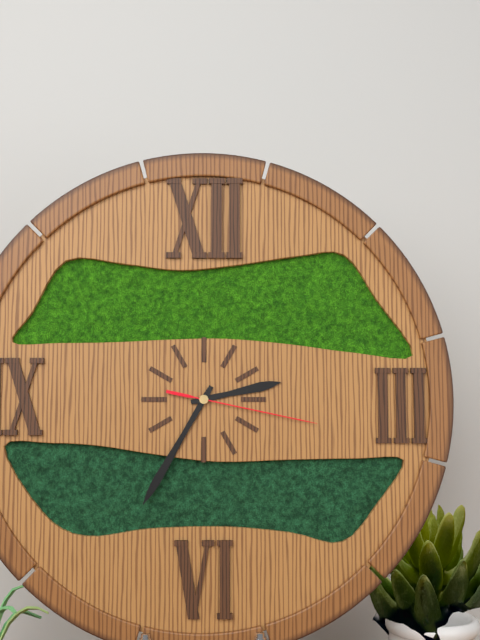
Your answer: 2,35,17
